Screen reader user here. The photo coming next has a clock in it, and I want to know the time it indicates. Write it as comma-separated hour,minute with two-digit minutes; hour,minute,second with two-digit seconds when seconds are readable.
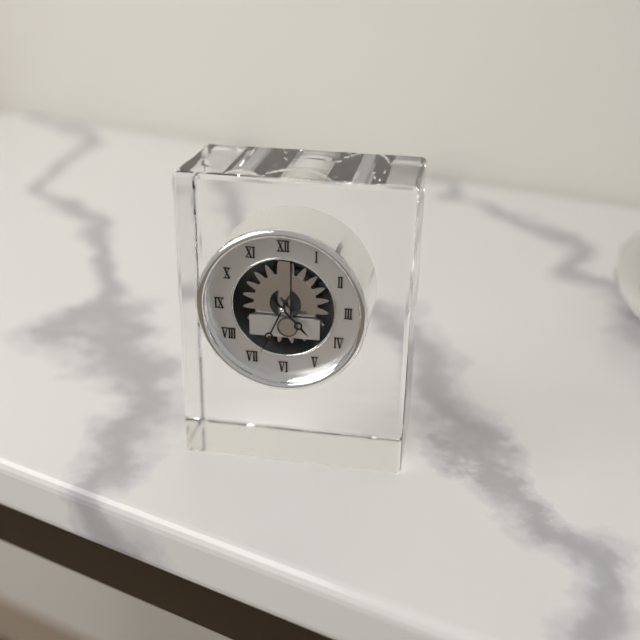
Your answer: 4,34
